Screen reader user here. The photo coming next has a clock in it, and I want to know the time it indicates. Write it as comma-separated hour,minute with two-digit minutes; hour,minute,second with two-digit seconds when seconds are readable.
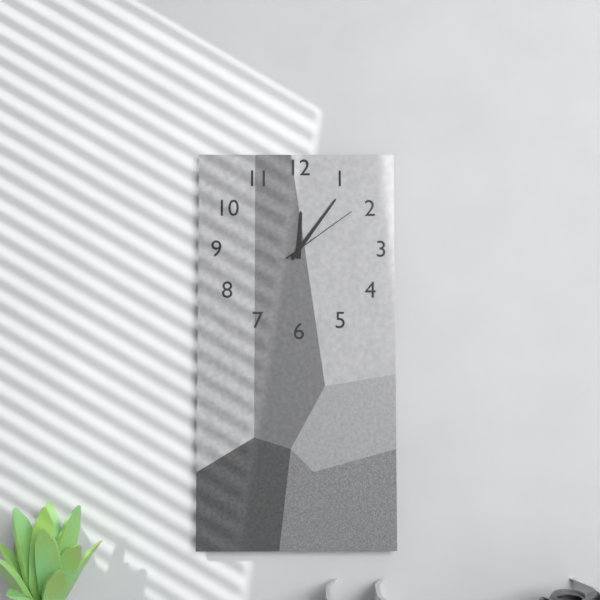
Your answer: 12,06,09
